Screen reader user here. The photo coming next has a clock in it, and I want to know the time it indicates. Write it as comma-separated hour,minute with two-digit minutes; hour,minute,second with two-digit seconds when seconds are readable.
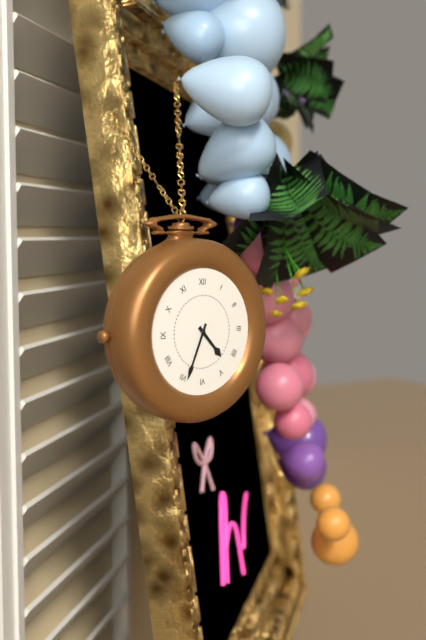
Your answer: 4,34
